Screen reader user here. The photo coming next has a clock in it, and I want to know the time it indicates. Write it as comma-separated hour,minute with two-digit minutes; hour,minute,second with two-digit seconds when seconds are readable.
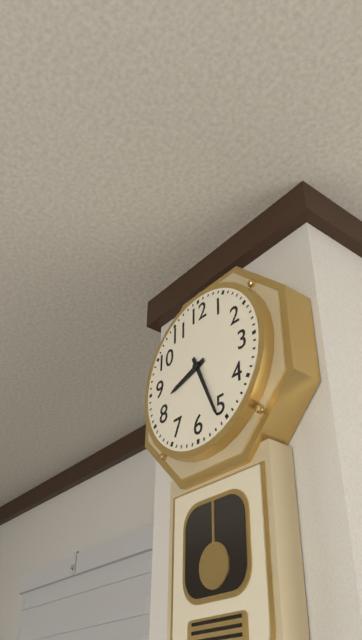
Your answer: 8,26
